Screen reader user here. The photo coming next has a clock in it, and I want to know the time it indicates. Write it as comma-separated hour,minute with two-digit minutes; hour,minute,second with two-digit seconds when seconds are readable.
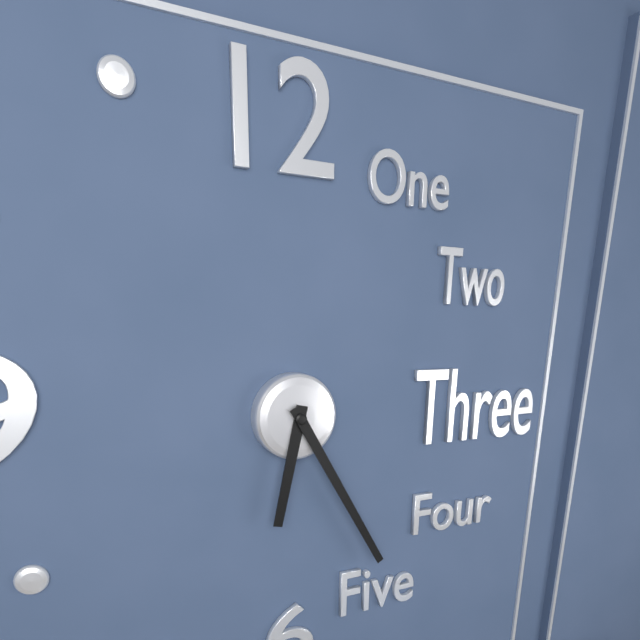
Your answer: 6,25
